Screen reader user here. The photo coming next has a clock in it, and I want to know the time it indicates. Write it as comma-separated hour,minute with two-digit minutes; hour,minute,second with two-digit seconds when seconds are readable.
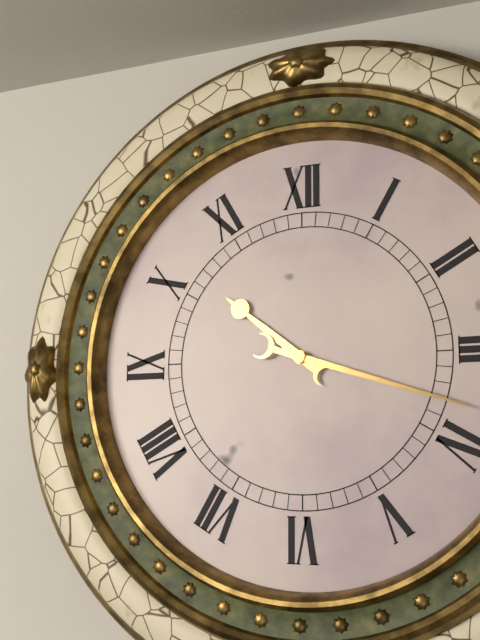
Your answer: 10,18
